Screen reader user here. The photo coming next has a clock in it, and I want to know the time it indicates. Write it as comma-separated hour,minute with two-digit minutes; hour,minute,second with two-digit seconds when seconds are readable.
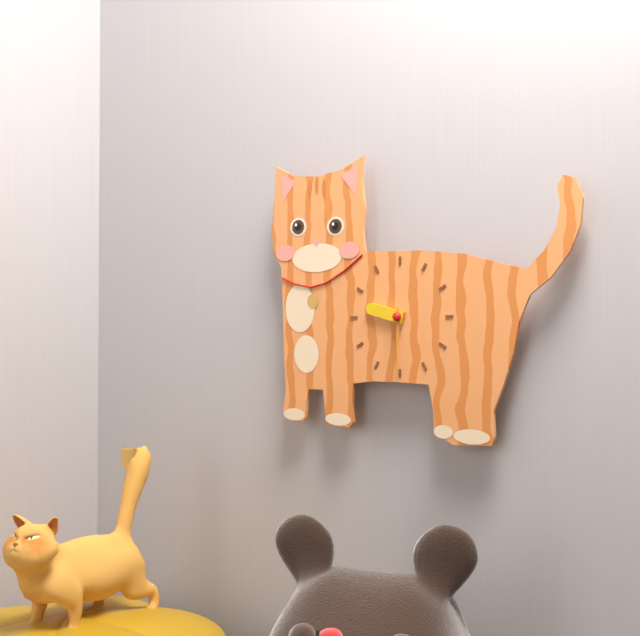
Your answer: 9,30
